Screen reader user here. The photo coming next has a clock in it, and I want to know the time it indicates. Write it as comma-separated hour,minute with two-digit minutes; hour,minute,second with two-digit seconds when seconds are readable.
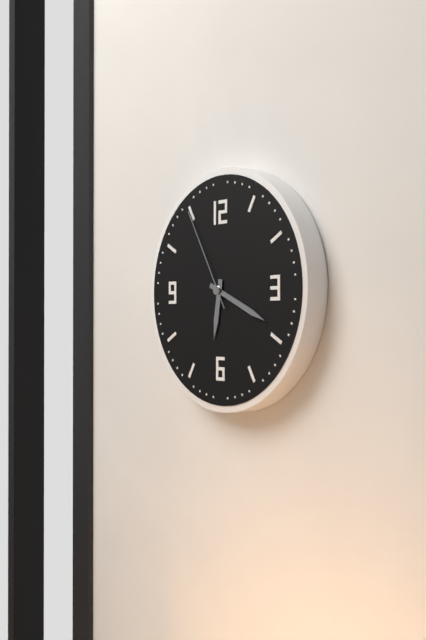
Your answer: 6,19,55
